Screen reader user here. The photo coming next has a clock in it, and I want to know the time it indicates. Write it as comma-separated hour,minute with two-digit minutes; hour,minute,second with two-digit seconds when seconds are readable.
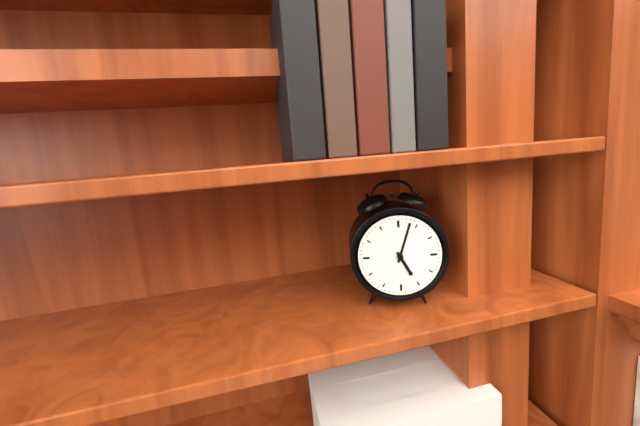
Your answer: 5,03
